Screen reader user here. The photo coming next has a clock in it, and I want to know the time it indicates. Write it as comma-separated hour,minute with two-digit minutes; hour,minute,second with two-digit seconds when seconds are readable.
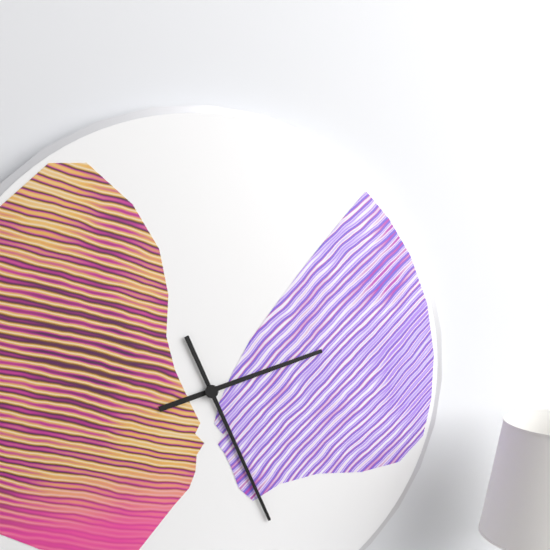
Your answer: 2,26
